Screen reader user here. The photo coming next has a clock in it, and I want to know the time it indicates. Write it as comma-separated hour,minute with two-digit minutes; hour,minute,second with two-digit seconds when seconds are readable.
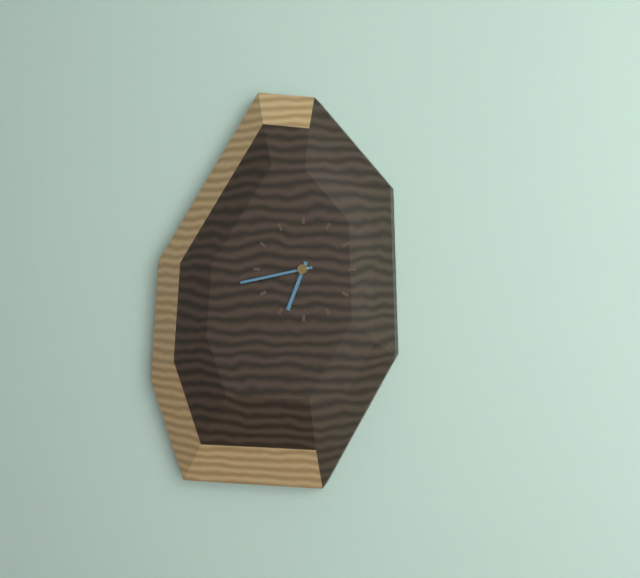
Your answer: 6,43
